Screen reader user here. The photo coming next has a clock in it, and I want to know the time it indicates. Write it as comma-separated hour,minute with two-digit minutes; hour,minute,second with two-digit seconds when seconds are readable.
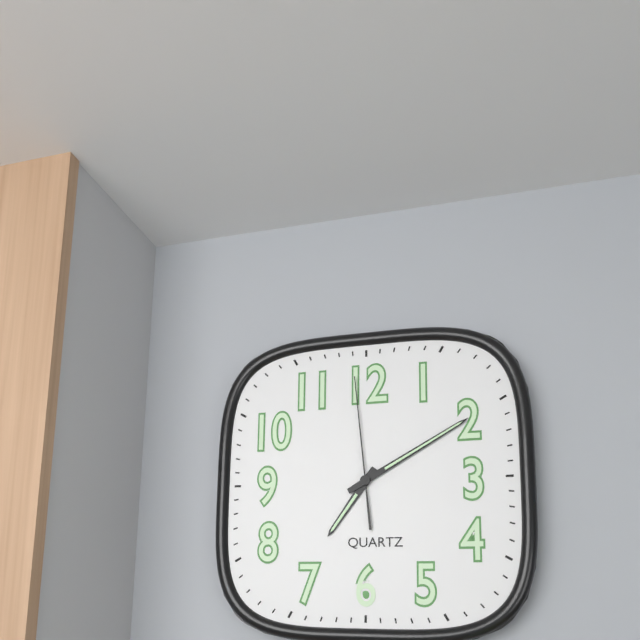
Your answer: 7,10,59
